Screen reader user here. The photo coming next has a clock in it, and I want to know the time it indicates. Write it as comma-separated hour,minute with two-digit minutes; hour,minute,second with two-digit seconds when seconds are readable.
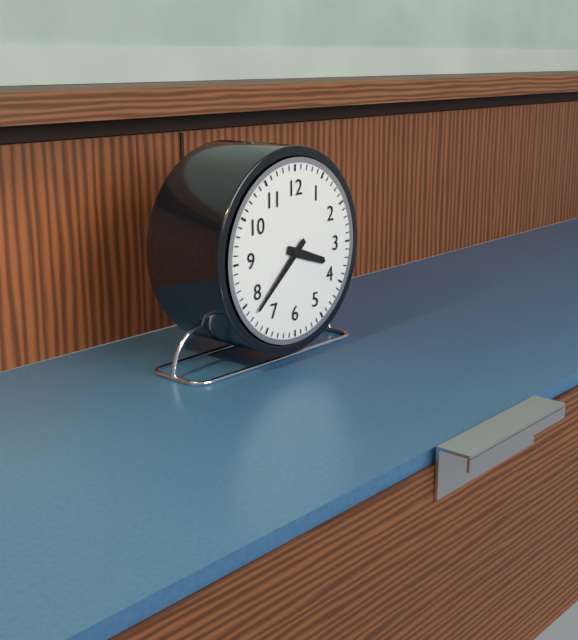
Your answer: 3,38
